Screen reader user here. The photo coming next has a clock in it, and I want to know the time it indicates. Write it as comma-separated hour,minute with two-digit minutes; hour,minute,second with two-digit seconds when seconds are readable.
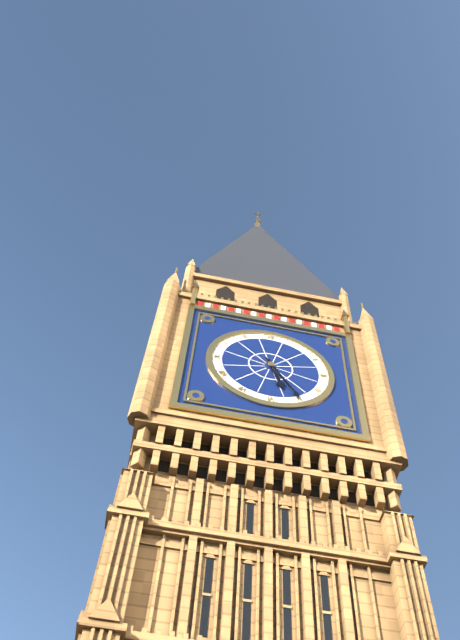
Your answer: 5,25
